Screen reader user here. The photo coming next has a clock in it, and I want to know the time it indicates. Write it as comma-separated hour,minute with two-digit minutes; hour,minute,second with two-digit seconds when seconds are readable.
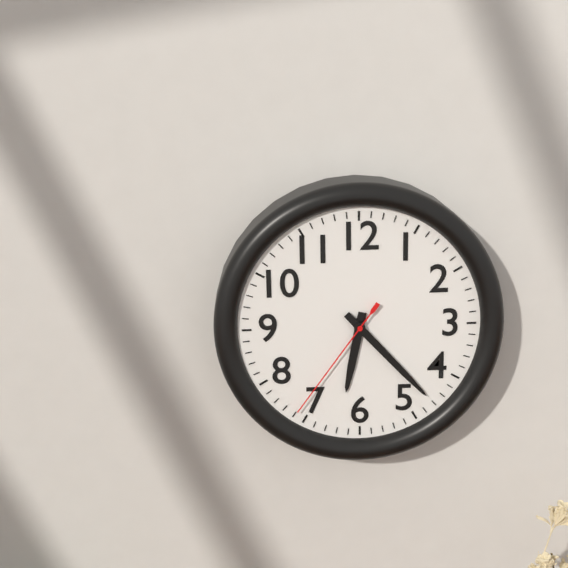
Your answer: 6,23,36
